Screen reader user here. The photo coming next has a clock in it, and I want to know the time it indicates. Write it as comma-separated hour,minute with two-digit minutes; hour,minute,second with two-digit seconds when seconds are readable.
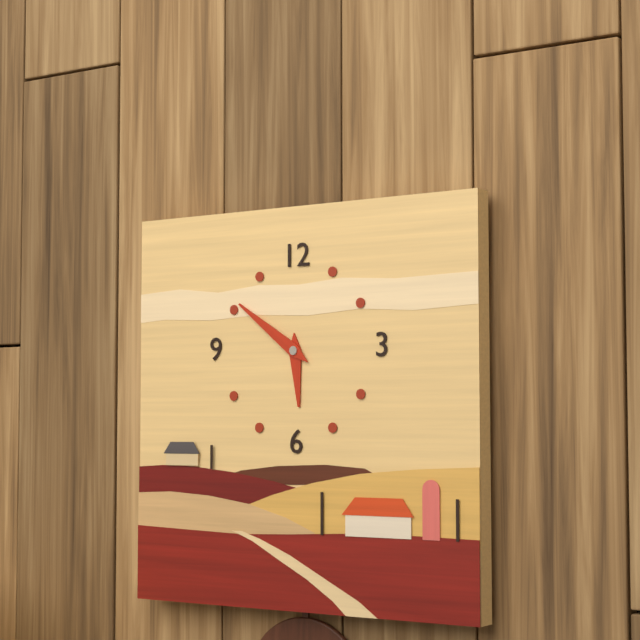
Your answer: 5,51
